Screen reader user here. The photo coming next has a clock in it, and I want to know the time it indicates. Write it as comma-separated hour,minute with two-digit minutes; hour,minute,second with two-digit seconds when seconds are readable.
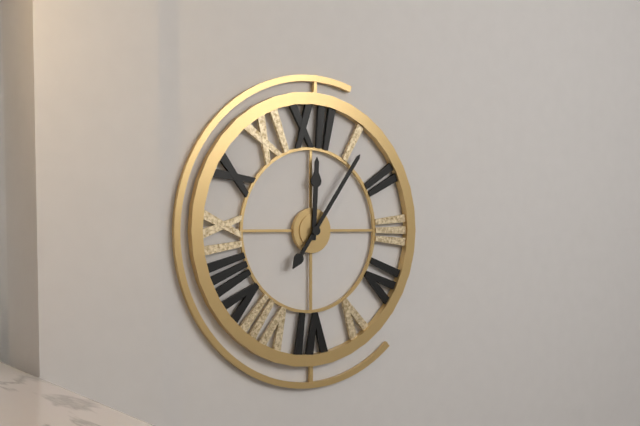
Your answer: 12,06
